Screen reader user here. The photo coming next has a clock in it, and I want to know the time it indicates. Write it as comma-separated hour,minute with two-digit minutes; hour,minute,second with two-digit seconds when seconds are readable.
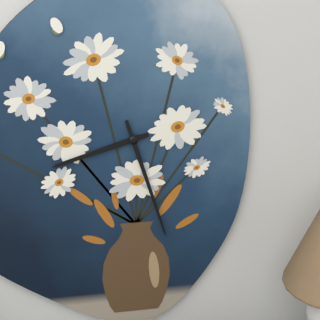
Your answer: 8,27
